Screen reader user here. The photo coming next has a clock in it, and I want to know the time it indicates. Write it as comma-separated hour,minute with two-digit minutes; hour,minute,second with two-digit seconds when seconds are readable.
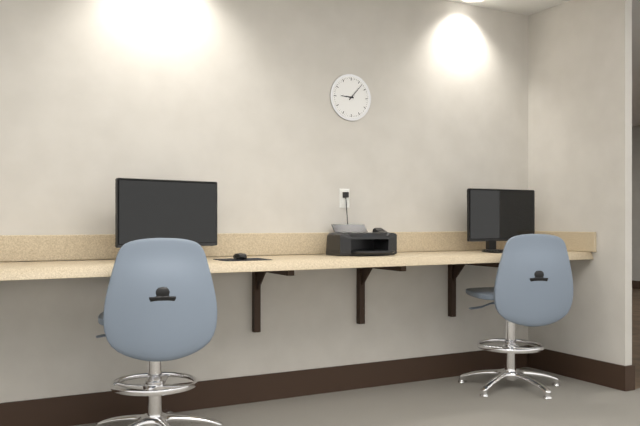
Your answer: 9,07
